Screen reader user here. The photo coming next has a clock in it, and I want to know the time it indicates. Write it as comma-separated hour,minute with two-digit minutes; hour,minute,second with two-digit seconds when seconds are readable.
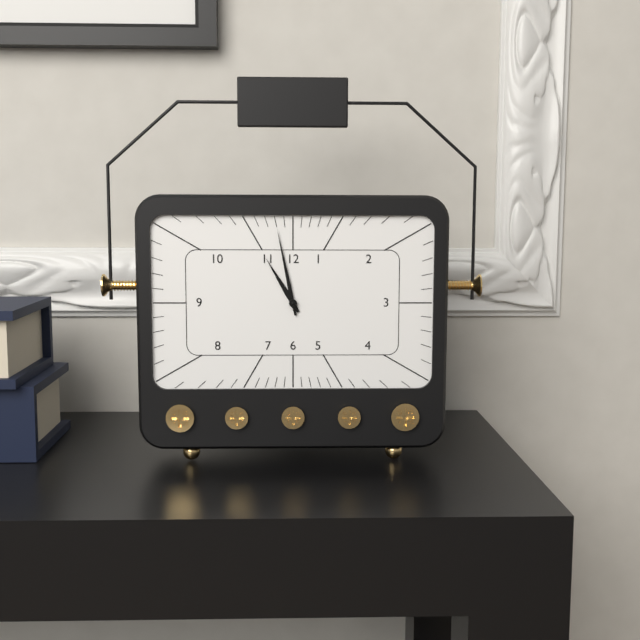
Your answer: 10,58
